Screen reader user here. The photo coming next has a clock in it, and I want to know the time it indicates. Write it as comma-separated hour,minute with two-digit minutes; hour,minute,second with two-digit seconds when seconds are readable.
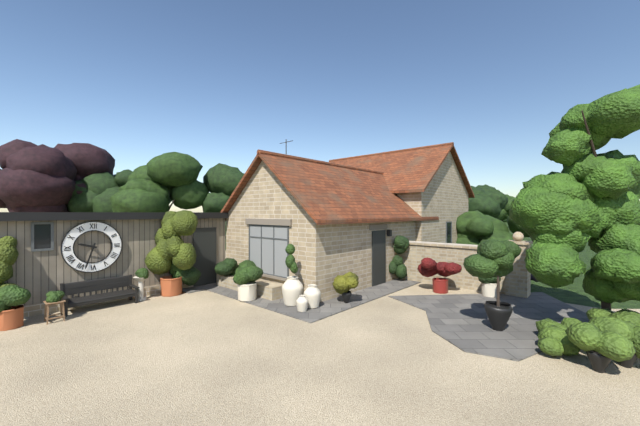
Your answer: 9,33
